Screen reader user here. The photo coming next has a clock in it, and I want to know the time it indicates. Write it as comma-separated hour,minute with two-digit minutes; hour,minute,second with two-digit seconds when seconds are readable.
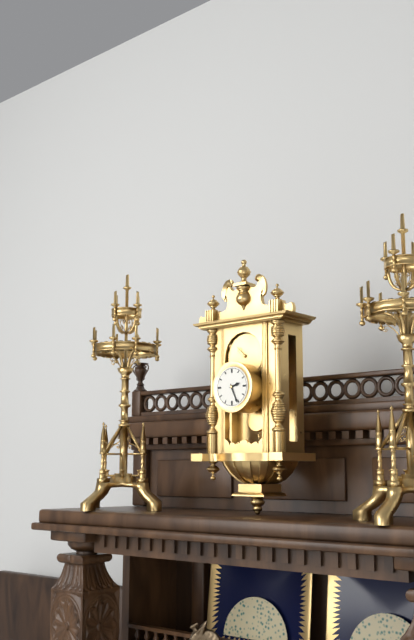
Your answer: 2,26
